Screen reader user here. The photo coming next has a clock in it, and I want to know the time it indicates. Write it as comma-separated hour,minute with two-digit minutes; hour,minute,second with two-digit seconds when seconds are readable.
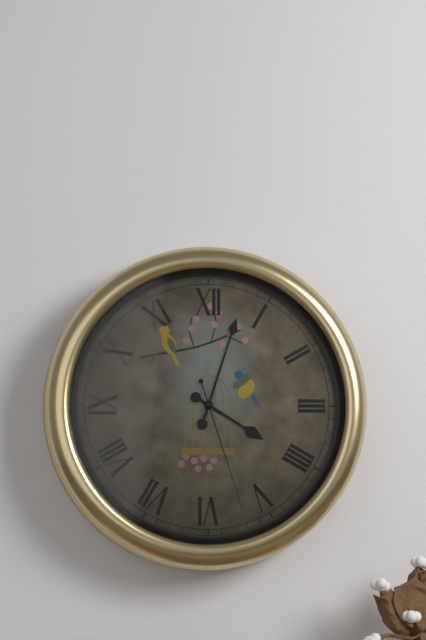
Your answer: 4,03,27
